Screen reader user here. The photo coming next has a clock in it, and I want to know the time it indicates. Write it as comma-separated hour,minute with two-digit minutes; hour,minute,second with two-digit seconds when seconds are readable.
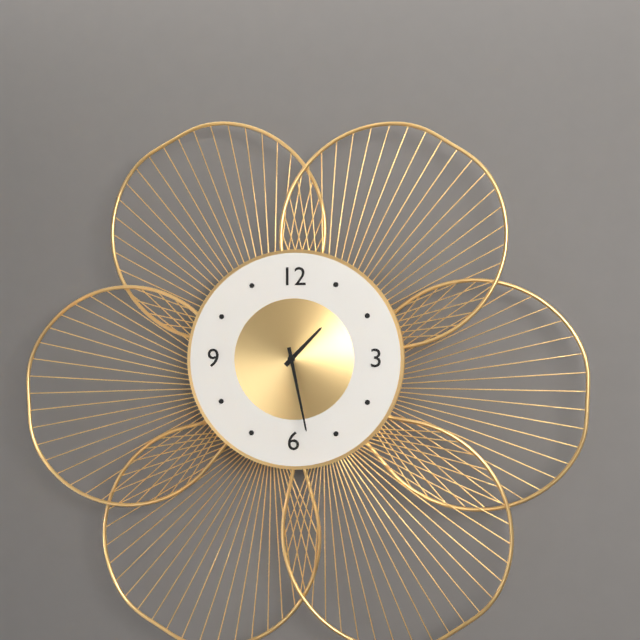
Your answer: 1,28
